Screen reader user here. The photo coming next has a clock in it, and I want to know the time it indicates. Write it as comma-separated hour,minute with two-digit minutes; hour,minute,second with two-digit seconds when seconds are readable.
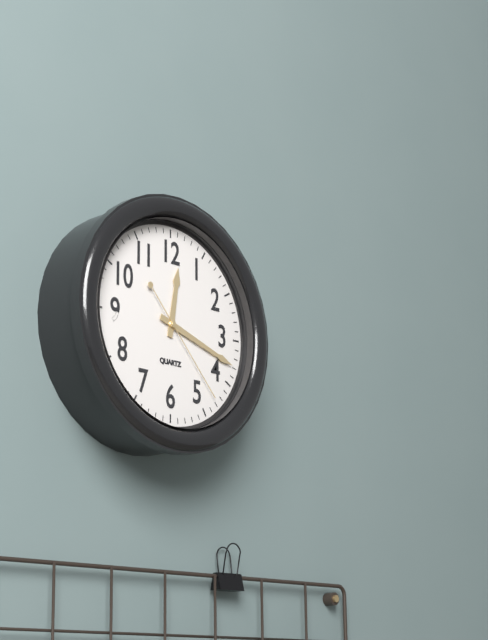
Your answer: 12,18,23
